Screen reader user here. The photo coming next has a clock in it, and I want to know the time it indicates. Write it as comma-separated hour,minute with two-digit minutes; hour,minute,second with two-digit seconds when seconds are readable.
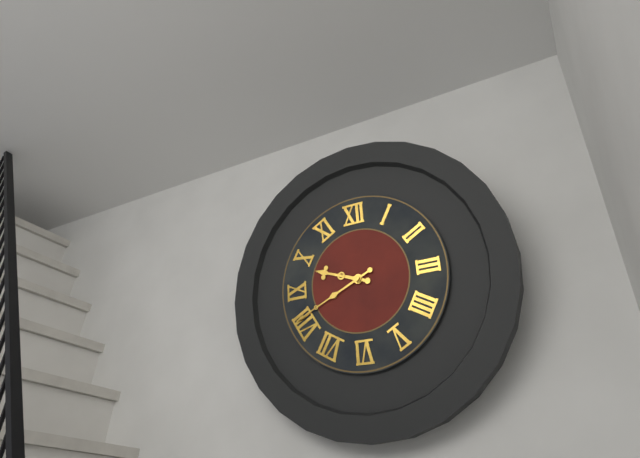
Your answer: 9,41
